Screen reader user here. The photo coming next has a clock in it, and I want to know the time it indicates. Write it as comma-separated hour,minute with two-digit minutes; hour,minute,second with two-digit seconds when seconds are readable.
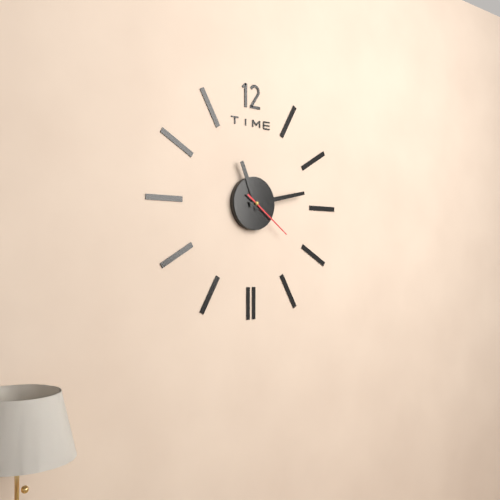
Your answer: 11,13,21
